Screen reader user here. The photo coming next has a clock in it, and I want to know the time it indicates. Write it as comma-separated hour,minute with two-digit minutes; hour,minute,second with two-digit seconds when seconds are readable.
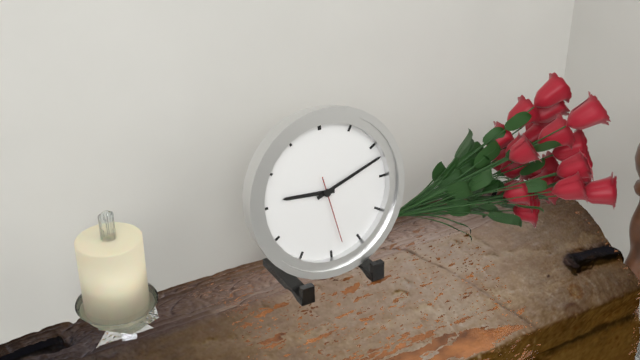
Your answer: 9,12,28
